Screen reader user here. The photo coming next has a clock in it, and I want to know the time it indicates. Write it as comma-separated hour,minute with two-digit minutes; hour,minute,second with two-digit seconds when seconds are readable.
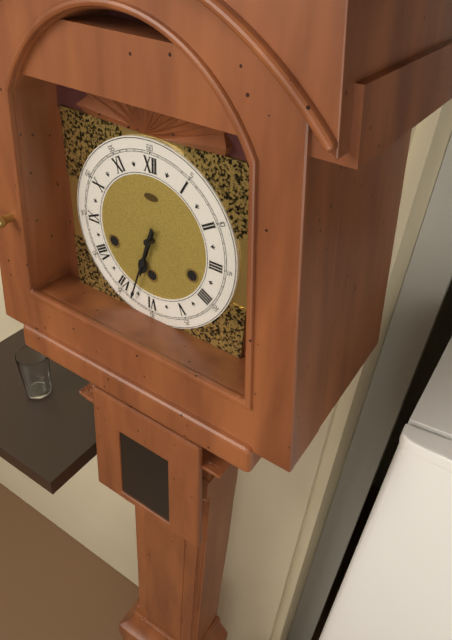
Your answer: 6,33
